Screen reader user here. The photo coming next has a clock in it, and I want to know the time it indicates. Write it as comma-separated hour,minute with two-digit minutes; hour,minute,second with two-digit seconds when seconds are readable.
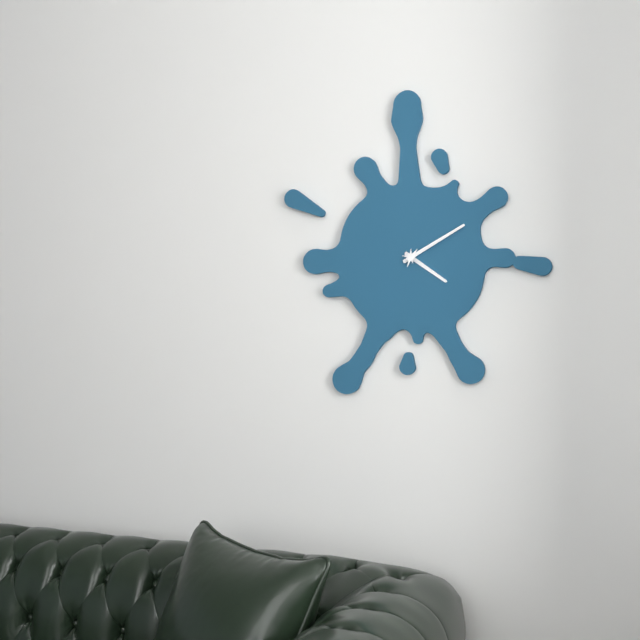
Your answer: 4,10
